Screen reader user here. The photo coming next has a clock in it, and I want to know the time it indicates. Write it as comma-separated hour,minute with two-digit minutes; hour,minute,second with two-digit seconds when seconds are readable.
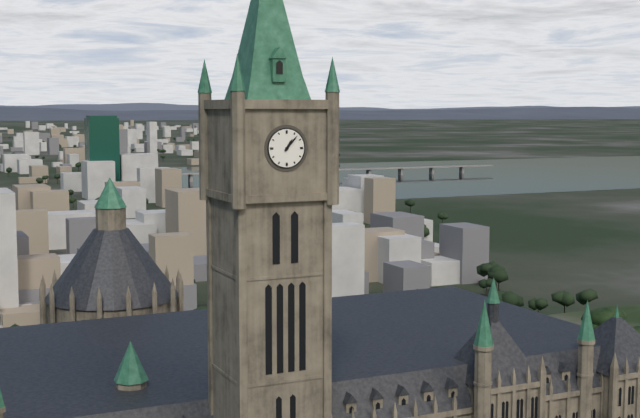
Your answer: 1,07
